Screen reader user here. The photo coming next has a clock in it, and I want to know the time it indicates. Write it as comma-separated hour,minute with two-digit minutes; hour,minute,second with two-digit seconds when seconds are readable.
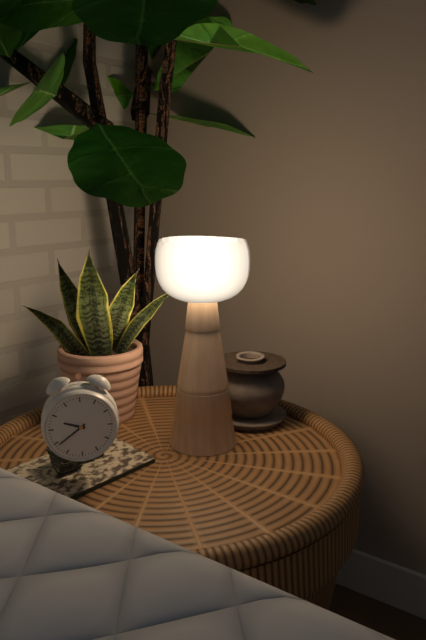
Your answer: 9,39
